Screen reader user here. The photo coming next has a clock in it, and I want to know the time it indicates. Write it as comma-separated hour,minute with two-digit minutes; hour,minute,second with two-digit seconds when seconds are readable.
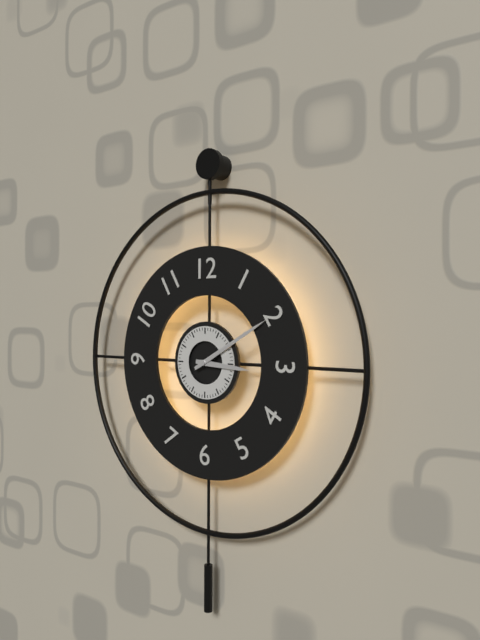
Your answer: 3,10
